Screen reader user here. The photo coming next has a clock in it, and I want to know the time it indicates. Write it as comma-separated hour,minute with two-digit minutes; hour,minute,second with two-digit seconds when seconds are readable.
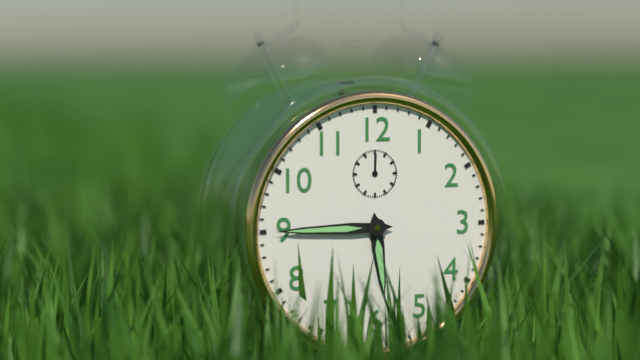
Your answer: 5,45
